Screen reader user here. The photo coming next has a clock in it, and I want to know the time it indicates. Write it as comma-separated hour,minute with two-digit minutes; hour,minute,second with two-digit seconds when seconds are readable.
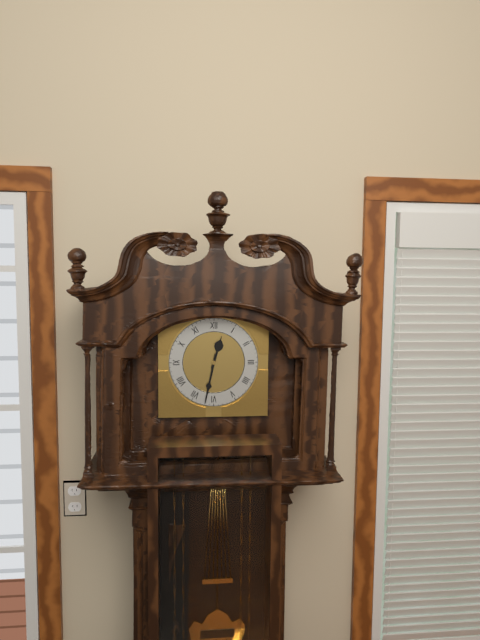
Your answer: 12,32
